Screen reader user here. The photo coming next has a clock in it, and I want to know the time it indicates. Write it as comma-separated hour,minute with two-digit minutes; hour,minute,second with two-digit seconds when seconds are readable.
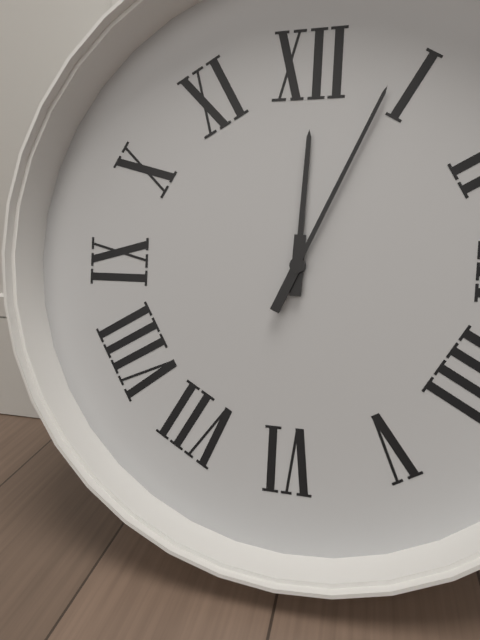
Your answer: 12,04
